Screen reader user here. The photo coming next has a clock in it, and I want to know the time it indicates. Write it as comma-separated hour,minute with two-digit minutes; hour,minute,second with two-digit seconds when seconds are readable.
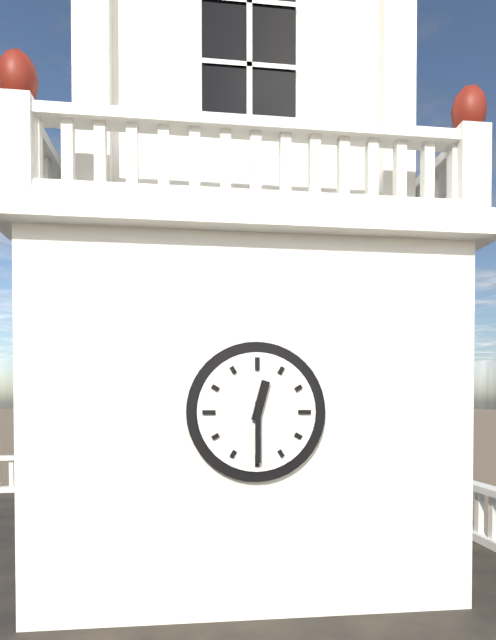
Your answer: 12,30
